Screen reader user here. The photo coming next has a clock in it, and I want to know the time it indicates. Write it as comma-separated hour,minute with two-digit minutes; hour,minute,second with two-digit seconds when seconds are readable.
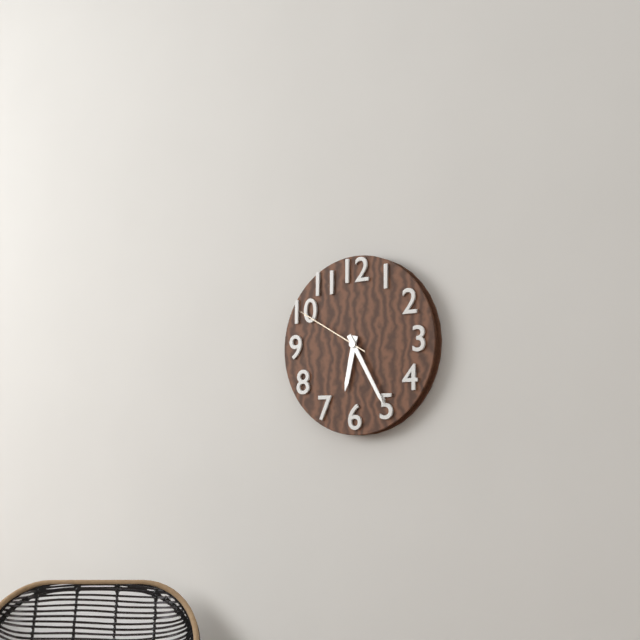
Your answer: 6,25,50
